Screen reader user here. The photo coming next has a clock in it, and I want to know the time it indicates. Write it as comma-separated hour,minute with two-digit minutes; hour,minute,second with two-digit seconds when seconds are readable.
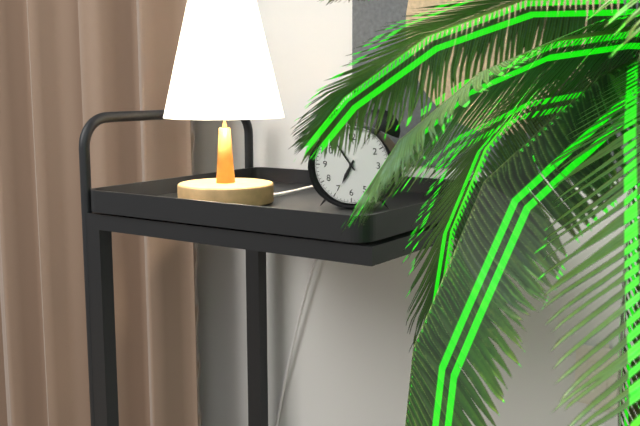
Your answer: 6,54
